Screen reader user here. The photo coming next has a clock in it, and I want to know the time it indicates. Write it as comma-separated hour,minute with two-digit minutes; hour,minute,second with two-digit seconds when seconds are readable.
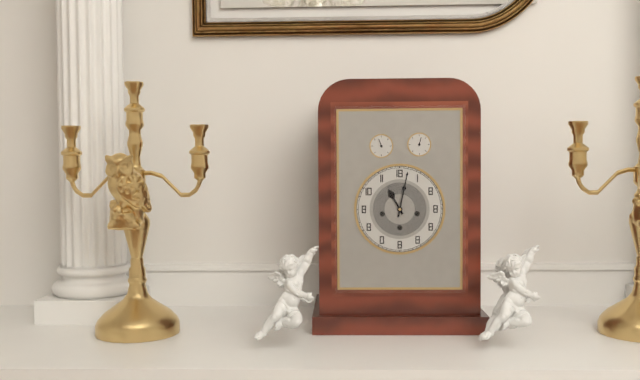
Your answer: 11,02
